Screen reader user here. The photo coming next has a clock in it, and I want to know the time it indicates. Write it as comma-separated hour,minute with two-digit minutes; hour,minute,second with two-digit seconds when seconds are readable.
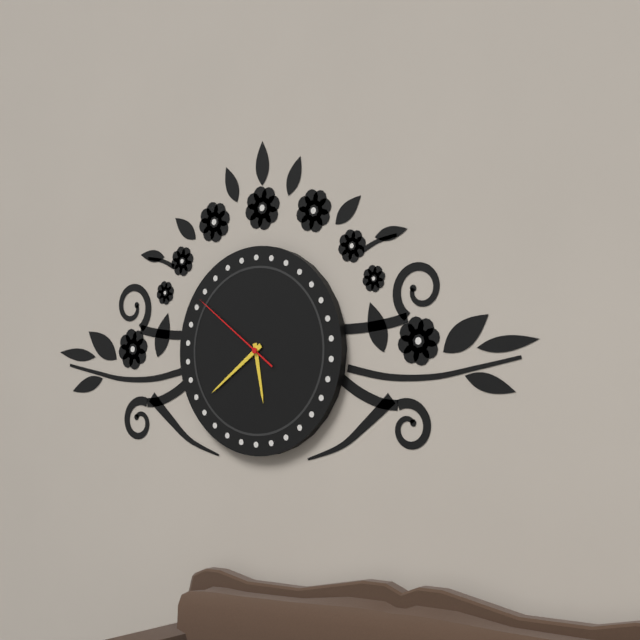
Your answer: 5,39,51
